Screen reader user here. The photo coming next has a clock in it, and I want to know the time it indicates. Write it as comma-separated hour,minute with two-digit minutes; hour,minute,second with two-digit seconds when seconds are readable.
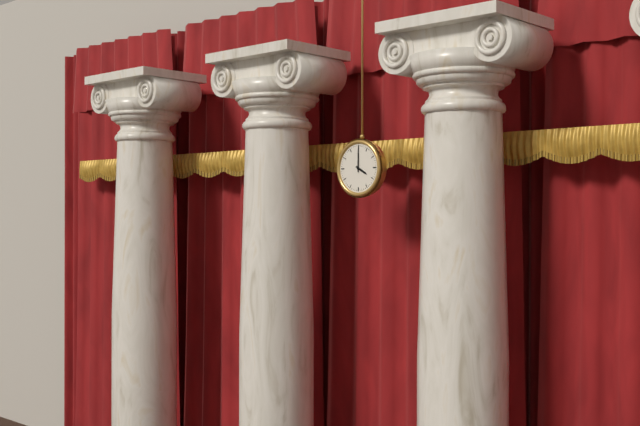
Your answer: 4,00
